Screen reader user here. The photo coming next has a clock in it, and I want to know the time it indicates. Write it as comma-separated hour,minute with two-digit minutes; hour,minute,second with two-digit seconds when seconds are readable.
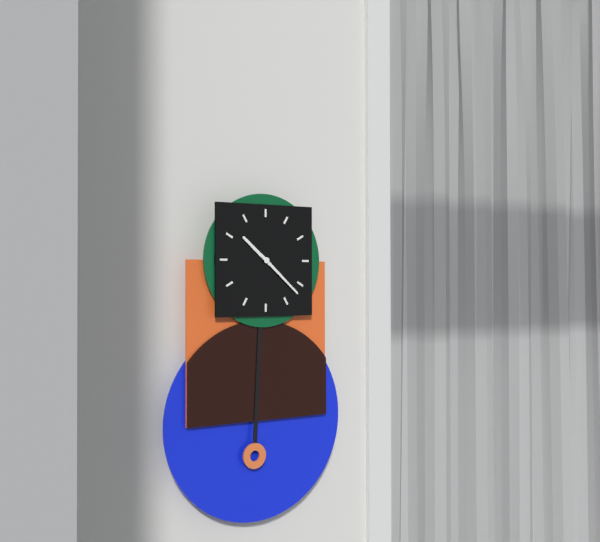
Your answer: 10,22
